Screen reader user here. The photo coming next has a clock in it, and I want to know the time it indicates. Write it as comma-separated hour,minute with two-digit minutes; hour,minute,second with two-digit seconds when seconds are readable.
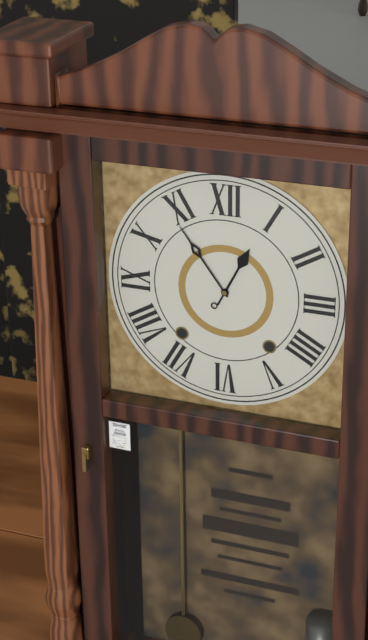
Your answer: 12,54
